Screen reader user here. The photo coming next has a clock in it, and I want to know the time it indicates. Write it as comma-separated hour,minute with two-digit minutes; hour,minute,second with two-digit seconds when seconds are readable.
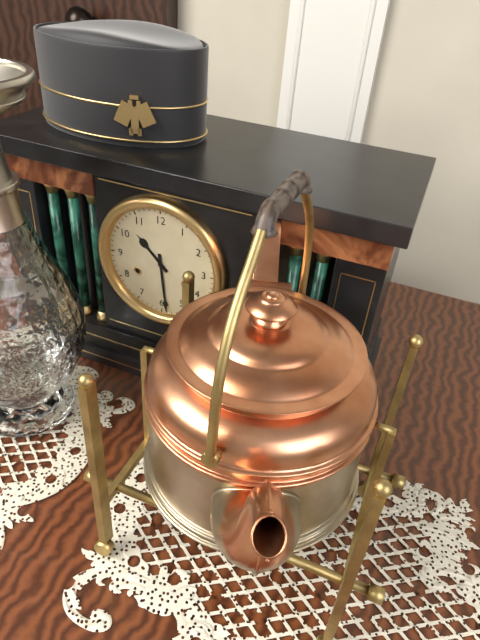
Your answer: 10,29
